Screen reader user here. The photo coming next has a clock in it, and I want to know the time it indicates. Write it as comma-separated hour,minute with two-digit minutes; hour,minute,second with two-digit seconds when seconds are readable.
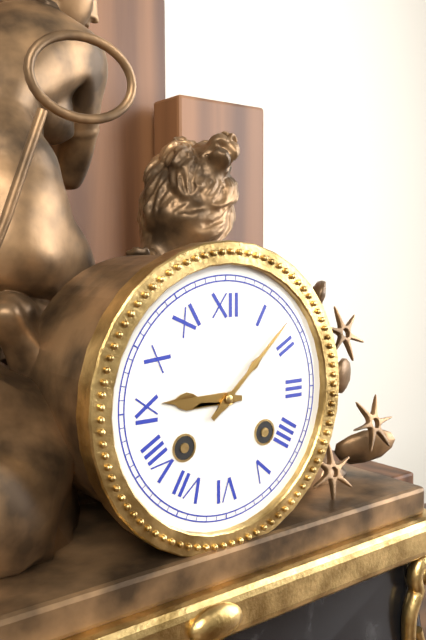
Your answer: 9,08
